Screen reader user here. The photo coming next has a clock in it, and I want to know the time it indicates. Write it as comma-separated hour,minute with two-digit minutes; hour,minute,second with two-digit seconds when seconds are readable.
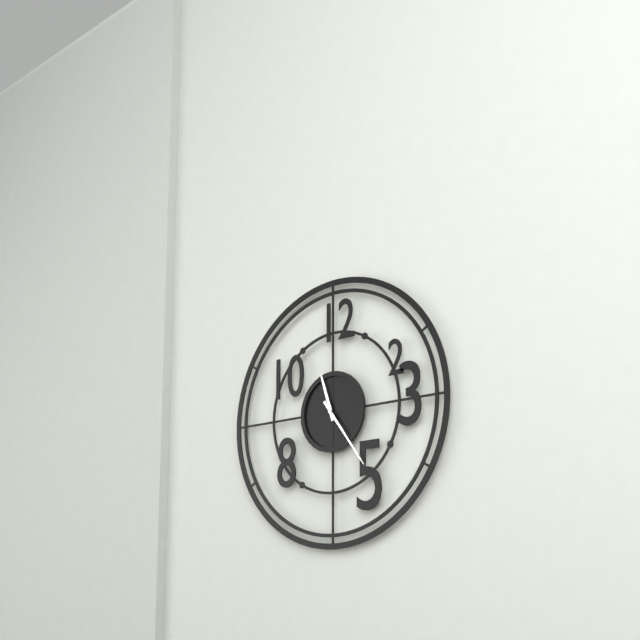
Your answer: 11,24
